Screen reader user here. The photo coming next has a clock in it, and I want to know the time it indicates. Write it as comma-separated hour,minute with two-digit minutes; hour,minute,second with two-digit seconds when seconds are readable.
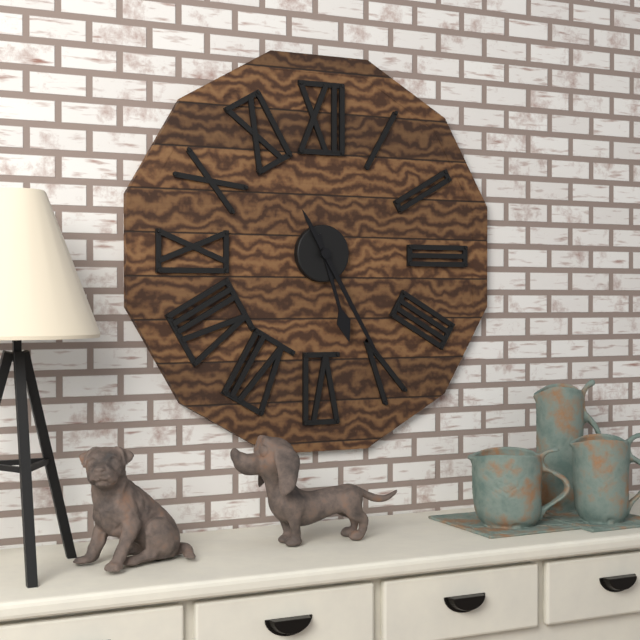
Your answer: 5,25
